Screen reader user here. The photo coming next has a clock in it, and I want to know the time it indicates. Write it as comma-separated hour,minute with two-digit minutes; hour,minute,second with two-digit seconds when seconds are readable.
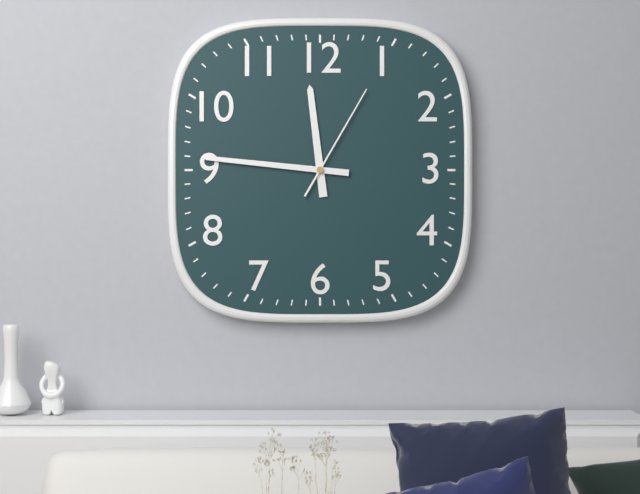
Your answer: 11,46,05
